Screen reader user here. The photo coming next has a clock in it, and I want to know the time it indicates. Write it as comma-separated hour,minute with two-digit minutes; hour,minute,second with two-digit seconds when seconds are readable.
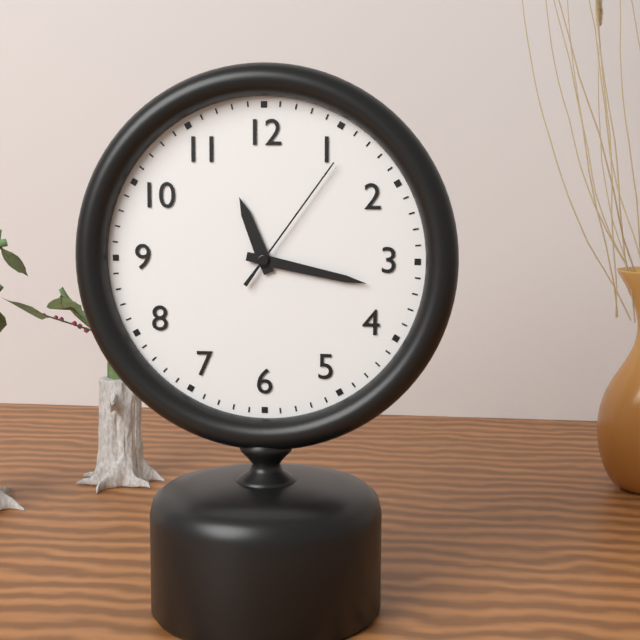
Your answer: 11,17,06
